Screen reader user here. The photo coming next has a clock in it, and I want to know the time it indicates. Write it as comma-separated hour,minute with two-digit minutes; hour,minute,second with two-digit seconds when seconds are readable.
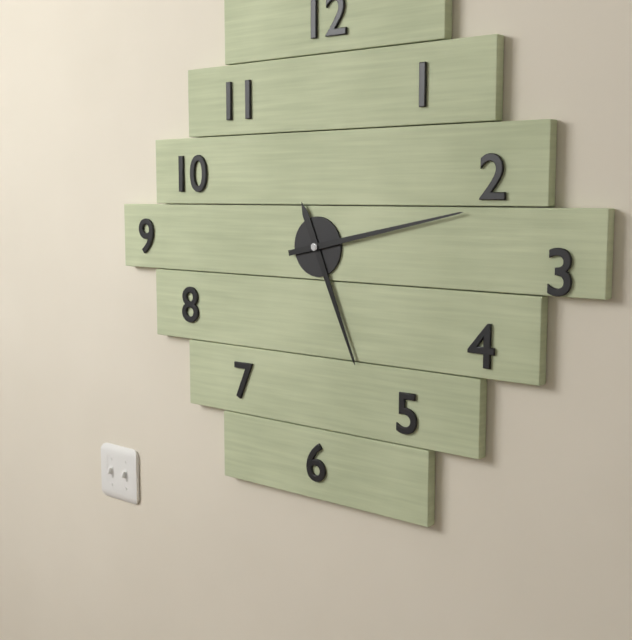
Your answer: 5,13
